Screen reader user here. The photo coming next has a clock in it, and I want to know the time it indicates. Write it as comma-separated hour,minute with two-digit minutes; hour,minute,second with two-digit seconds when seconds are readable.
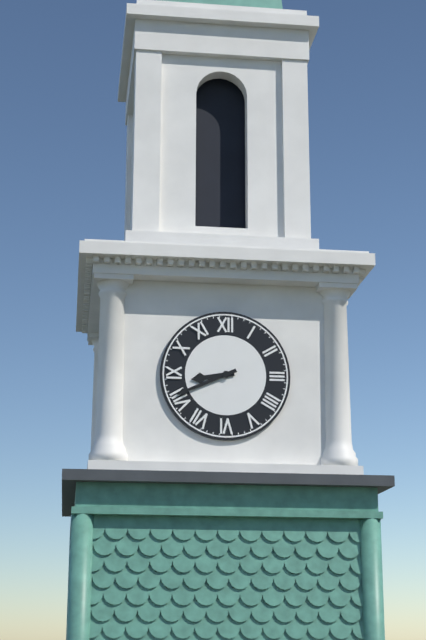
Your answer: 8,41
